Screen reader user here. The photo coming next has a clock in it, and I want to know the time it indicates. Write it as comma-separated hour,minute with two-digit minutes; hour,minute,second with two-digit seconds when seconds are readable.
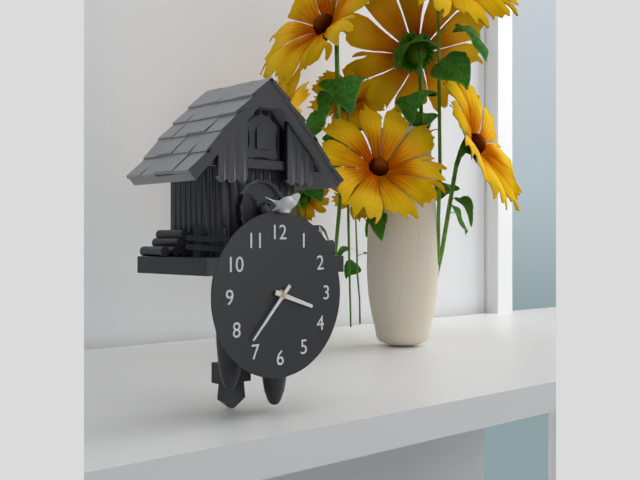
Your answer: 3,37
